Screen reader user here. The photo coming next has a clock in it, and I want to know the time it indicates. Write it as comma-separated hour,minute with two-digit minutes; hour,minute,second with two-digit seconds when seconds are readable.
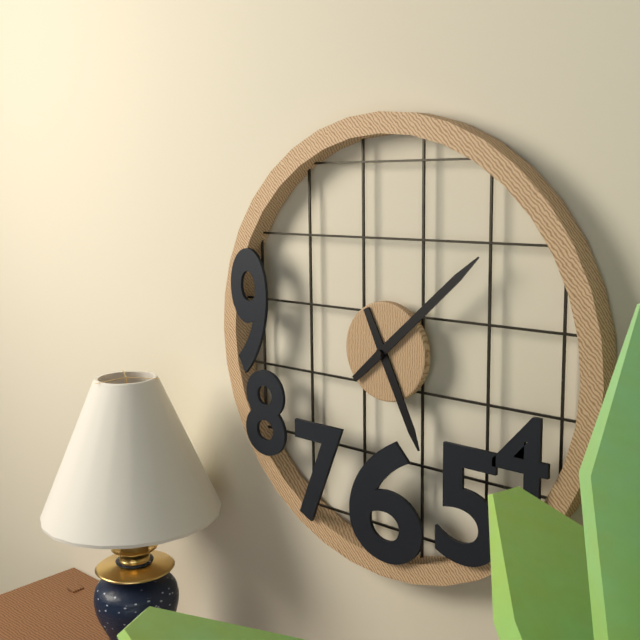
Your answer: 5,08
